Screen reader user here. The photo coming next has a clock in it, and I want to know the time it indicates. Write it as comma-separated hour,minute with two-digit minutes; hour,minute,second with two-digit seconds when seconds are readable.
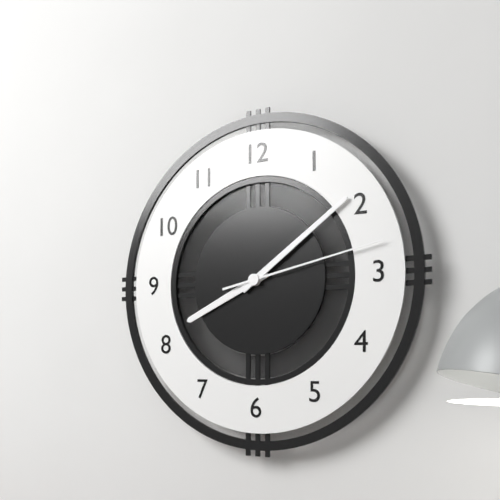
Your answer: 8,09,13
